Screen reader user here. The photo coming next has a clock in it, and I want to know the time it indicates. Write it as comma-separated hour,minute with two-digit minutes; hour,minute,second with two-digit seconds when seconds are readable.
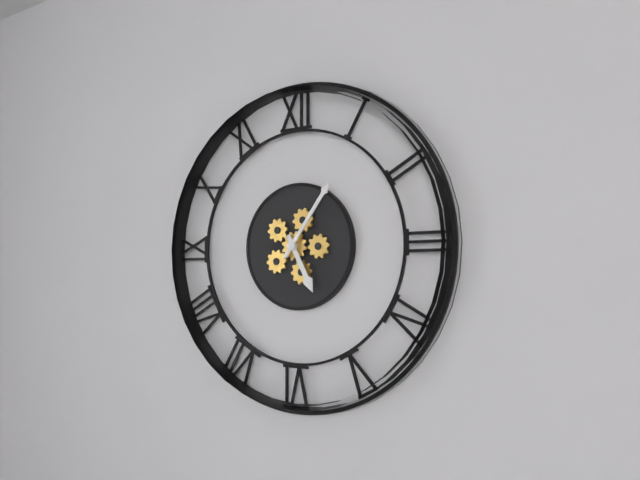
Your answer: 5,06
